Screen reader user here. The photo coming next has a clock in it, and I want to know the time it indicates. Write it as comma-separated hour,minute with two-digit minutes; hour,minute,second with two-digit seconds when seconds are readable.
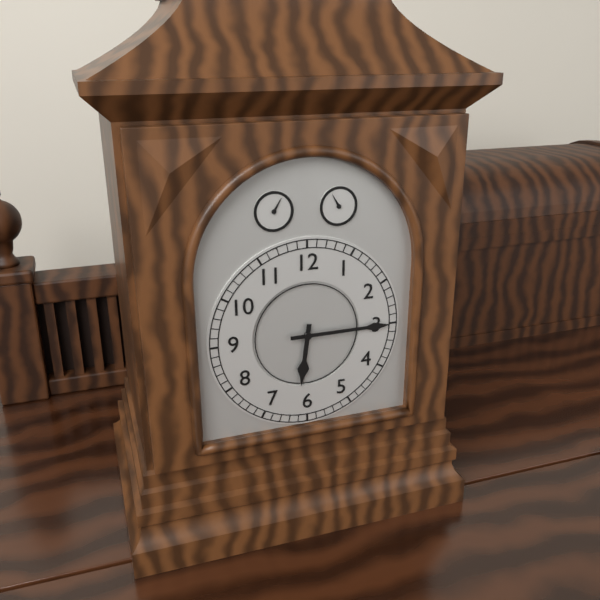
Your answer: 6,15
